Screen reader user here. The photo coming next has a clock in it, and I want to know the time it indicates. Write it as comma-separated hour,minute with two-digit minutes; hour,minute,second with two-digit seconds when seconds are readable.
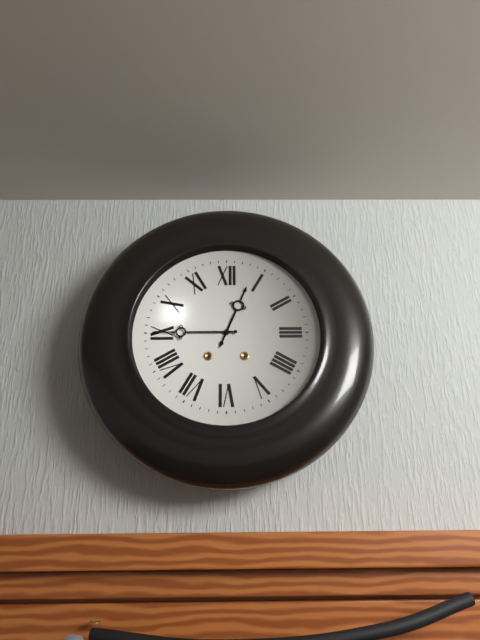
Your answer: 12,45
